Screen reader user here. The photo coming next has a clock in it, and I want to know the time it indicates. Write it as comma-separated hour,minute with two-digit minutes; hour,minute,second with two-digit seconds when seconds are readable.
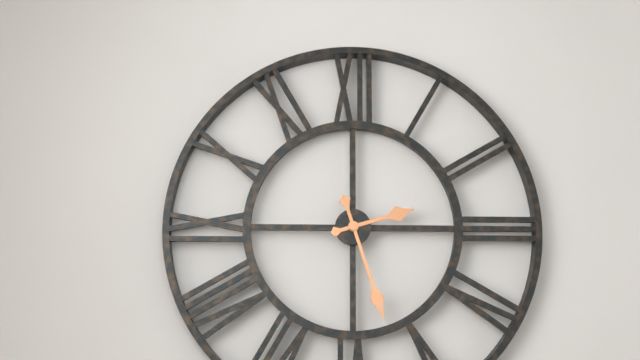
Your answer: 2,27
